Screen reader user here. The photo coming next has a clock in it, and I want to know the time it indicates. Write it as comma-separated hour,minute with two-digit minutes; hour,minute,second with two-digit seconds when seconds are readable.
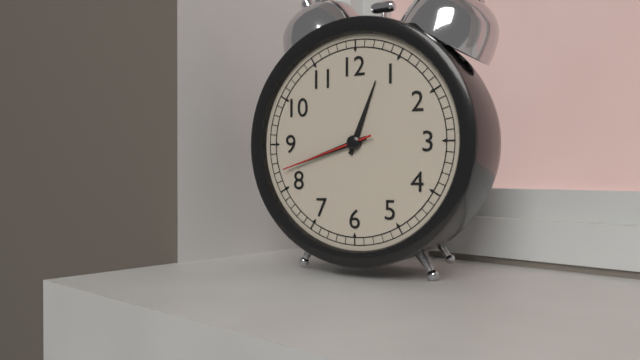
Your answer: 12,42,42
